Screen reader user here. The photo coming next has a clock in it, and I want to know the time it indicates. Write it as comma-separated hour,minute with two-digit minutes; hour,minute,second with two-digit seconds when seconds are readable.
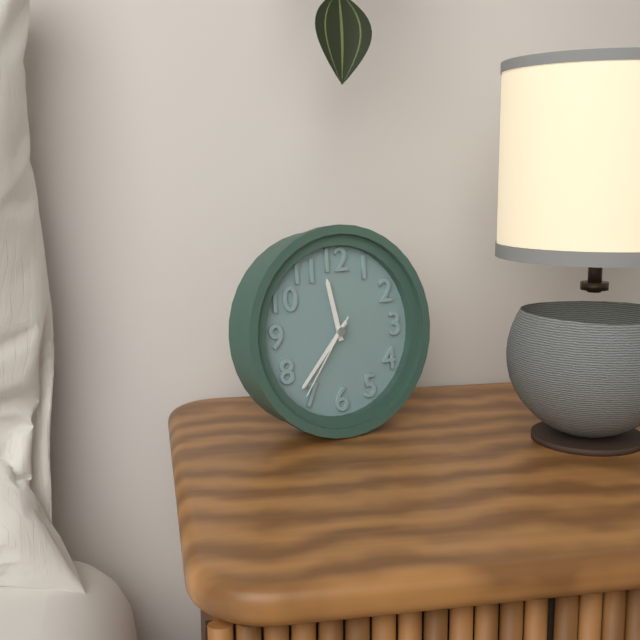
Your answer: 11,37,36
